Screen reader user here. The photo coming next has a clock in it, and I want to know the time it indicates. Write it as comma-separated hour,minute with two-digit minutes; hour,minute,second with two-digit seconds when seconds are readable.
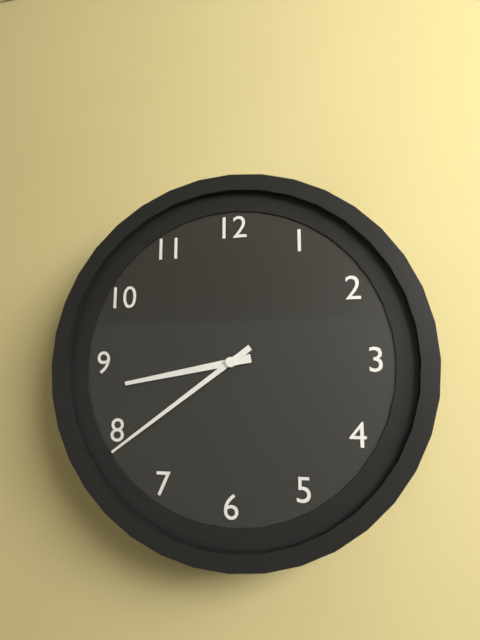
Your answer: 8,39
